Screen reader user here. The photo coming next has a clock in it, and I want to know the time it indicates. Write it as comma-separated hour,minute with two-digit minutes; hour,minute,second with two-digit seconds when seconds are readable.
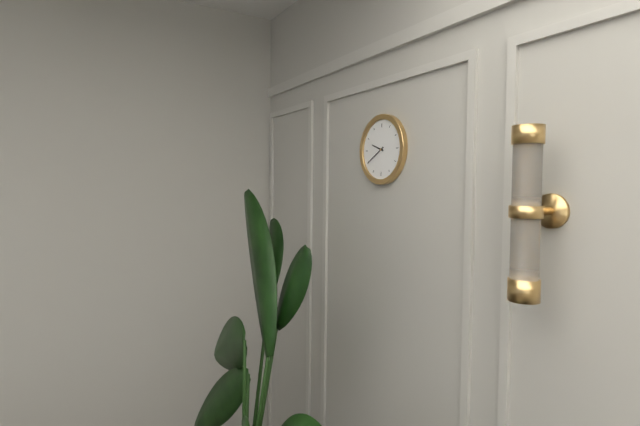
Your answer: 9,40
